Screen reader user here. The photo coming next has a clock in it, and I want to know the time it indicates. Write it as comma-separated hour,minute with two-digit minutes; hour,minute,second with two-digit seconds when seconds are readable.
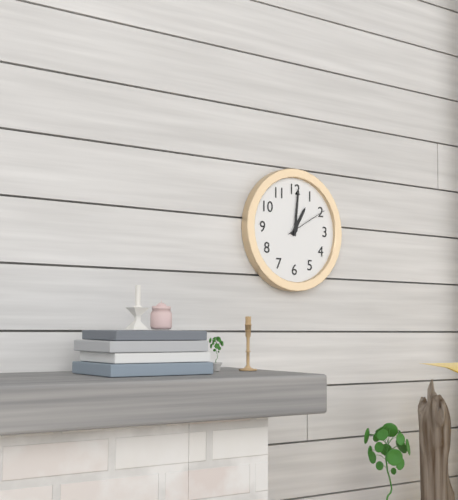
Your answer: 1,01
